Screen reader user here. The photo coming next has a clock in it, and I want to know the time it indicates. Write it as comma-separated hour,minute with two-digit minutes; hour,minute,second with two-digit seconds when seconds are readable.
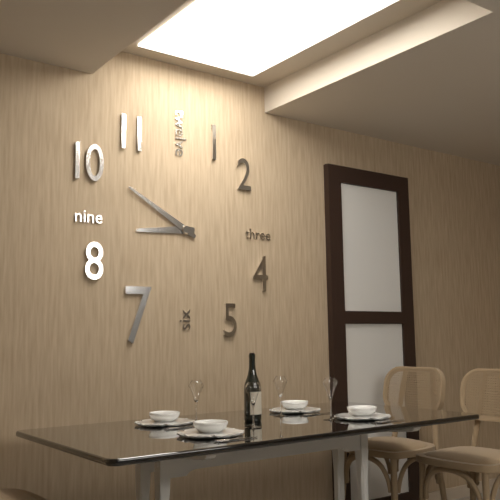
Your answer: 8,50
